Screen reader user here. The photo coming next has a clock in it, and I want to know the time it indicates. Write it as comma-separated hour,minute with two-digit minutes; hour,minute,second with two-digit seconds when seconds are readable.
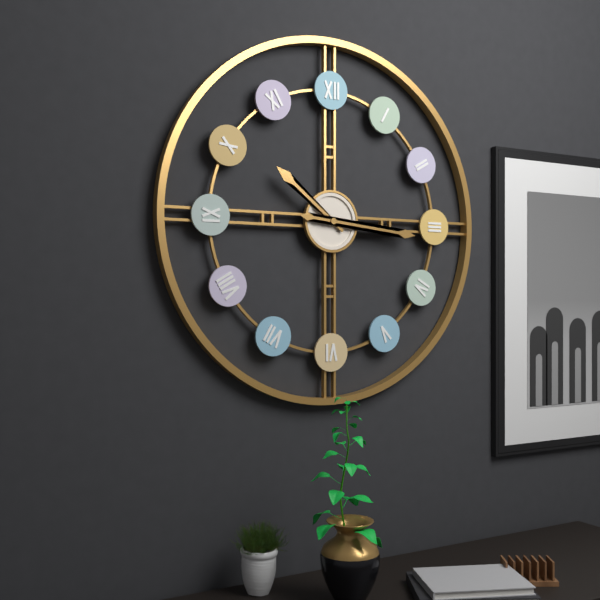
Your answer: 10,16
